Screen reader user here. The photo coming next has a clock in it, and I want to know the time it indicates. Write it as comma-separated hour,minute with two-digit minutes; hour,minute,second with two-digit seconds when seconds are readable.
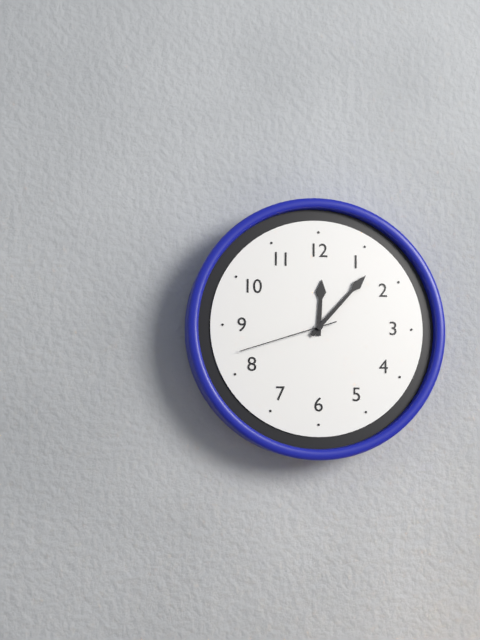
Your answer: 12,07,42
